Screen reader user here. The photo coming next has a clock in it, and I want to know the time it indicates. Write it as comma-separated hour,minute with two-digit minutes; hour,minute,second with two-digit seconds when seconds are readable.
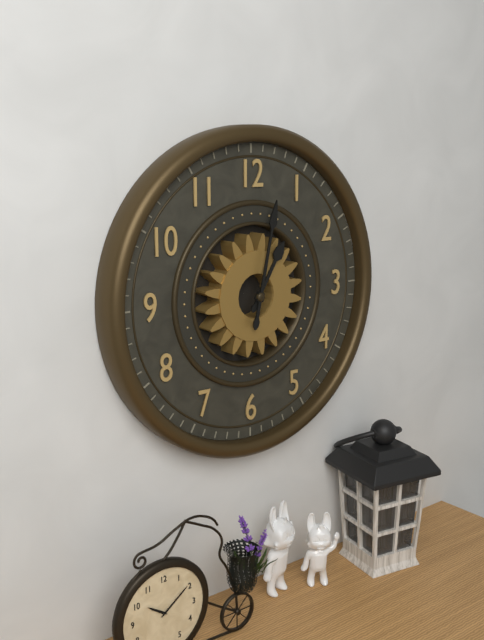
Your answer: 1,02
